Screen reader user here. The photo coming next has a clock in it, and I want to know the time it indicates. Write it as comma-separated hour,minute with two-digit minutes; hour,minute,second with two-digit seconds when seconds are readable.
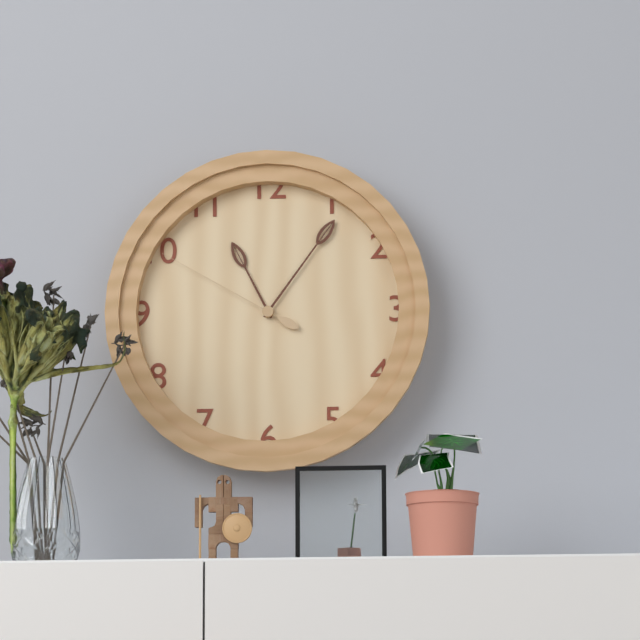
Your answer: 11,06,50
